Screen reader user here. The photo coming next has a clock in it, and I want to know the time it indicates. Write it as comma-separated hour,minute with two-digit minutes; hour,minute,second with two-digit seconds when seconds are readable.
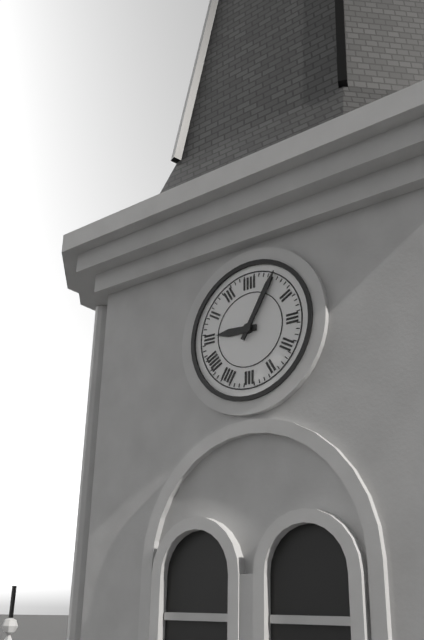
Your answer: 9,05
